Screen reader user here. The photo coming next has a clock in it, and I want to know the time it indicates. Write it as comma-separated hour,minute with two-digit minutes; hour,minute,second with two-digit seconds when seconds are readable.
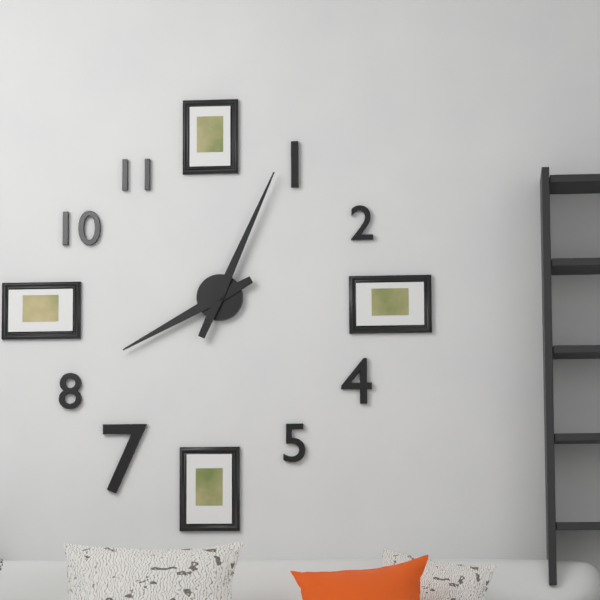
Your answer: 8,04
